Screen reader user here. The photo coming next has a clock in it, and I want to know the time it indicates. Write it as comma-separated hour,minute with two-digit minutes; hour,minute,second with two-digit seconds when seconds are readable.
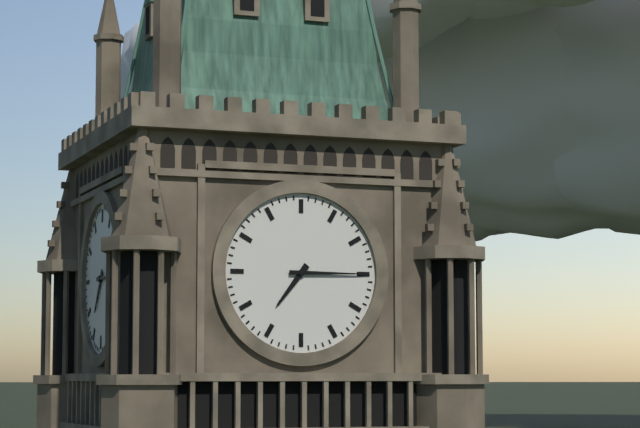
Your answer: 7,15
